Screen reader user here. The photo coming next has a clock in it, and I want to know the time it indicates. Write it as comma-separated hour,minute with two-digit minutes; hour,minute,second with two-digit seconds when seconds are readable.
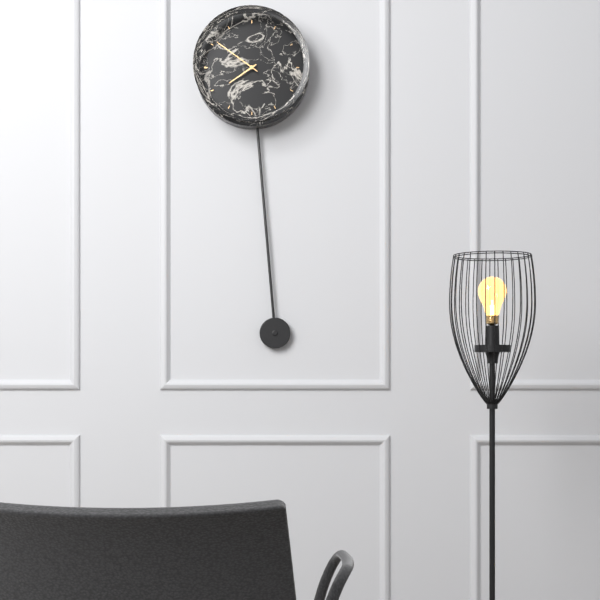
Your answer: 7,51
